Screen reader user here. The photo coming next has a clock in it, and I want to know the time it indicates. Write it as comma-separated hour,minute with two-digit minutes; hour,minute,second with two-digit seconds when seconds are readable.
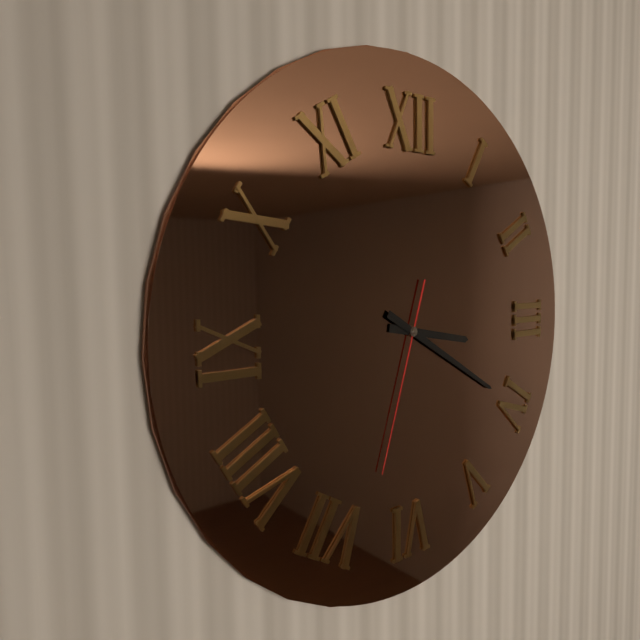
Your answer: 3,20,33
